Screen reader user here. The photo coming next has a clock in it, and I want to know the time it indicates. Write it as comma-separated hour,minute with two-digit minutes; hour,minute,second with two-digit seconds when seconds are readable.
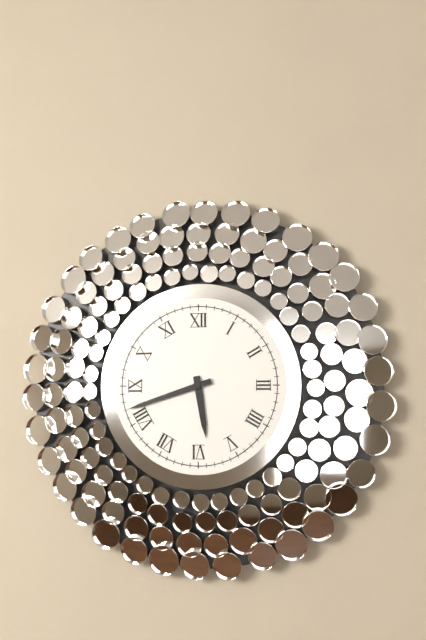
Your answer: 5,42
